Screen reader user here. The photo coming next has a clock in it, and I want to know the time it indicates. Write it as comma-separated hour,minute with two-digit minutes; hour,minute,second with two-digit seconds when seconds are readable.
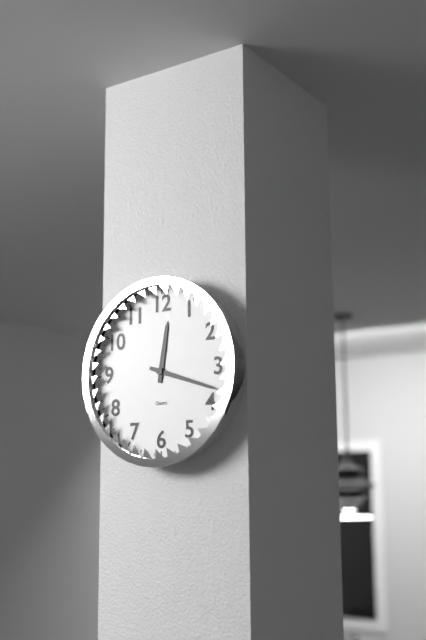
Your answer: 12,18
